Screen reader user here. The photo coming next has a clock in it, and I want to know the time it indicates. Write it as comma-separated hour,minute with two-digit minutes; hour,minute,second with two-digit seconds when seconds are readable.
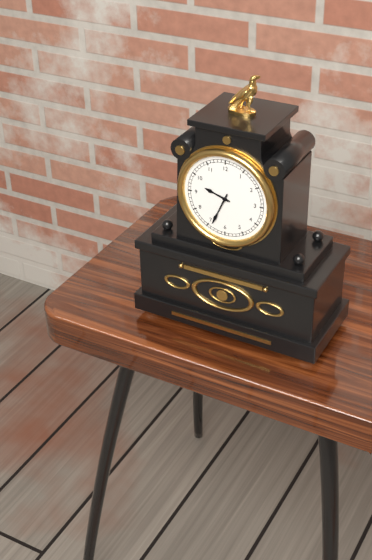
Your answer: 9,34
